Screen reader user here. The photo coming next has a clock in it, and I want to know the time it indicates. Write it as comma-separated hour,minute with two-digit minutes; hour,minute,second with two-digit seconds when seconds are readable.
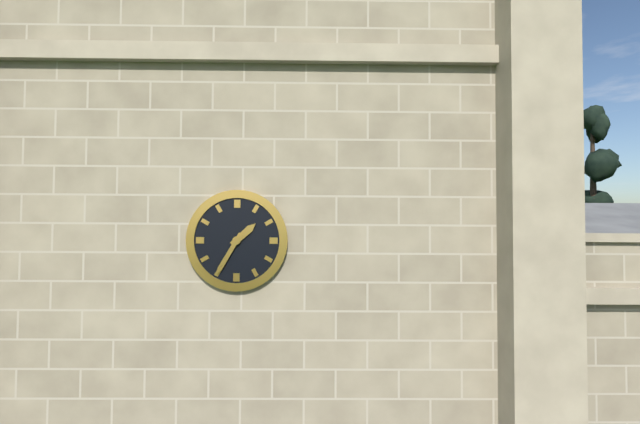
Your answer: 1,35
